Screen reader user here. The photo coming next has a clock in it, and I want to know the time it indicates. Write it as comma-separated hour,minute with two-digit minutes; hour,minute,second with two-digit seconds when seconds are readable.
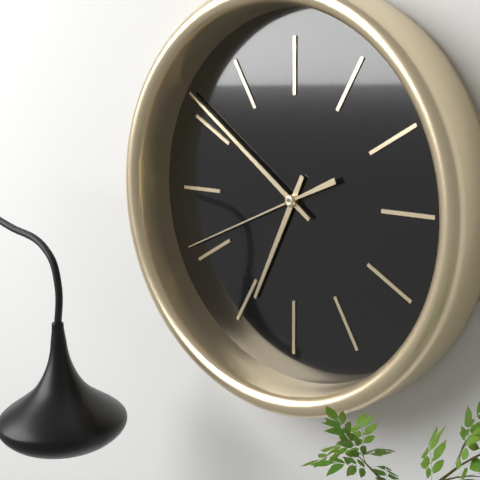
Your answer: 6,51,41
